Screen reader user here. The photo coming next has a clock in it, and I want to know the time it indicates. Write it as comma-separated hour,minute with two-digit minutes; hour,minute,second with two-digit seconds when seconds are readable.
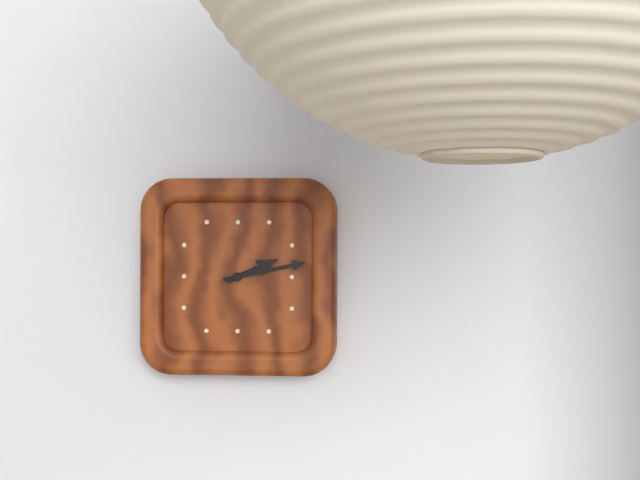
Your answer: 2,13
